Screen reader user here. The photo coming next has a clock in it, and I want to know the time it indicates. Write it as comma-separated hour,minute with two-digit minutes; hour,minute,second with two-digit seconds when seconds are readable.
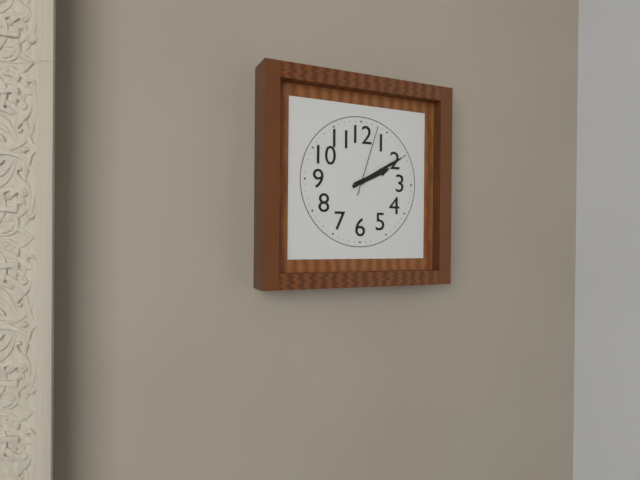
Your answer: 2,10,03
